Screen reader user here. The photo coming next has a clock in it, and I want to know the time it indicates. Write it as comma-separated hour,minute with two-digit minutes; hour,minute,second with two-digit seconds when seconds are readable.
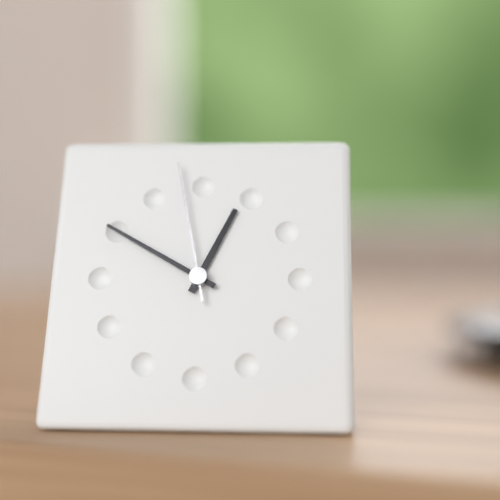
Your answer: 12,50,58
